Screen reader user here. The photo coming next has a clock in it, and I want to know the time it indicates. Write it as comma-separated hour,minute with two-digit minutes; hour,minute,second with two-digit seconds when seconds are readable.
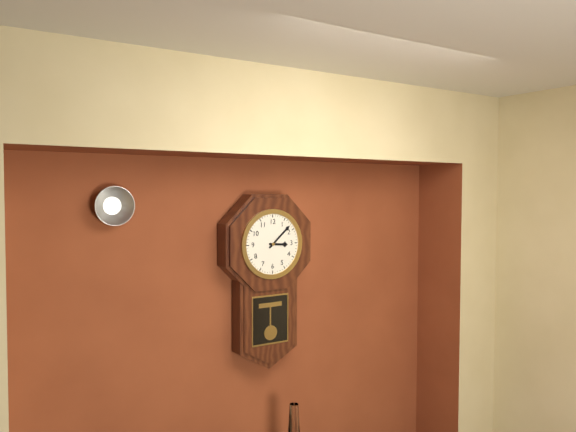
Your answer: 3,08
